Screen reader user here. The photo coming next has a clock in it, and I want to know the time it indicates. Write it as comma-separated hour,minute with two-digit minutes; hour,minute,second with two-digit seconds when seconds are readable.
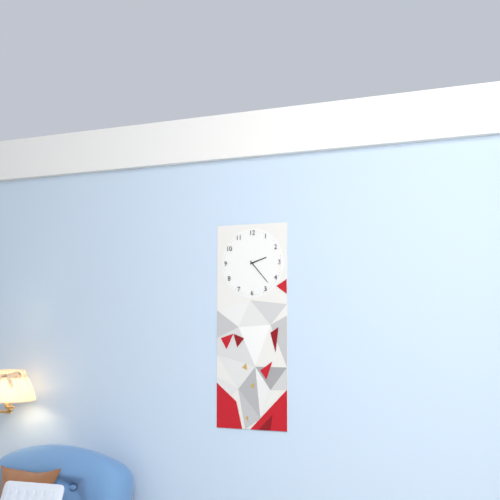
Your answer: 2,23
